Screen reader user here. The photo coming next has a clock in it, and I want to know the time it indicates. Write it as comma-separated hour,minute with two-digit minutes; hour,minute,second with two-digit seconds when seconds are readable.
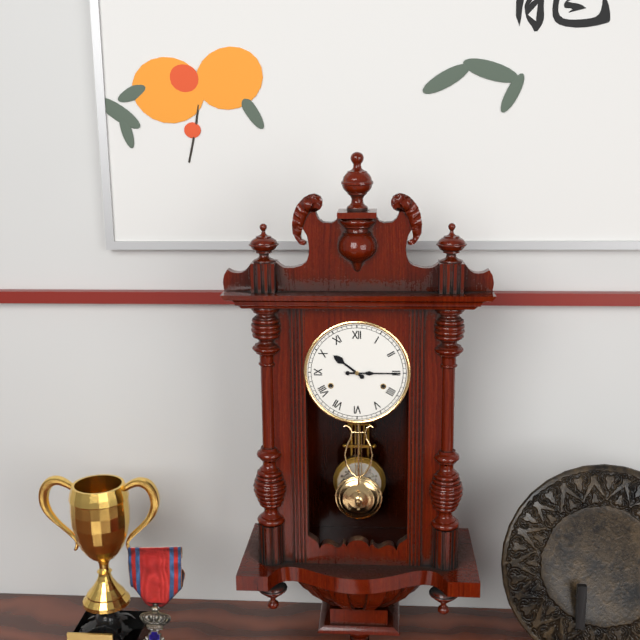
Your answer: 10,15
